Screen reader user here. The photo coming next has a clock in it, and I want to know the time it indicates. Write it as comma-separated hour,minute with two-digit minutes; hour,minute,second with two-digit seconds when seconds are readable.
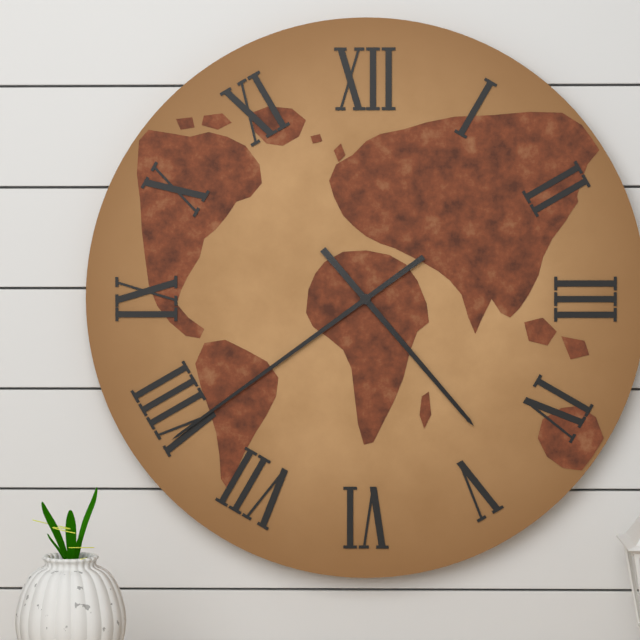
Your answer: 4,39
